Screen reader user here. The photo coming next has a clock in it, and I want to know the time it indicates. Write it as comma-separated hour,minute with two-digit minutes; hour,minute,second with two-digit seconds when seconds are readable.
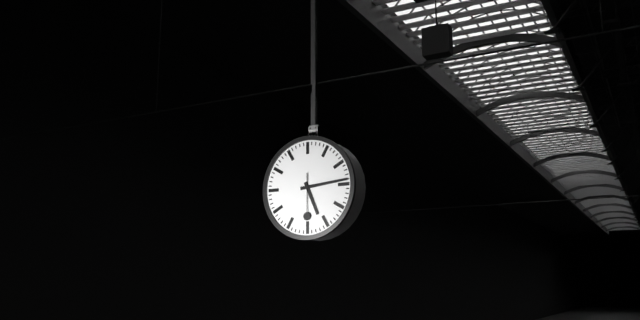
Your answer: 5,14
